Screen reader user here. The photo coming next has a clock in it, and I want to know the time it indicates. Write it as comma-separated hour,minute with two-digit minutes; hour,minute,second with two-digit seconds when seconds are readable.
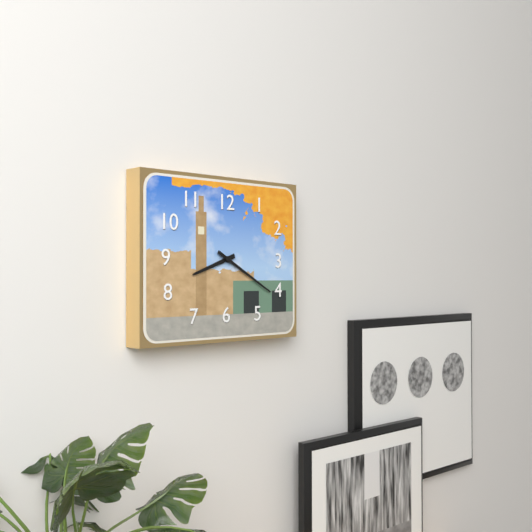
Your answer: 8,20
